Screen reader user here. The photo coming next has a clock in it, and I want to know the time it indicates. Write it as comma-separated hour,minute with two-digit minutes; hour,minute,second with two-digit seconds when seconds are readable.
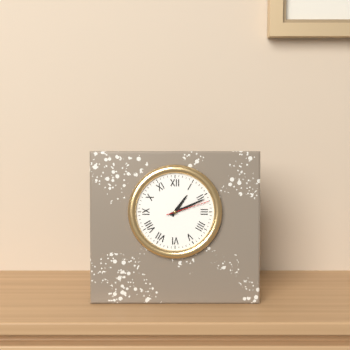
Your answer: 1,11
